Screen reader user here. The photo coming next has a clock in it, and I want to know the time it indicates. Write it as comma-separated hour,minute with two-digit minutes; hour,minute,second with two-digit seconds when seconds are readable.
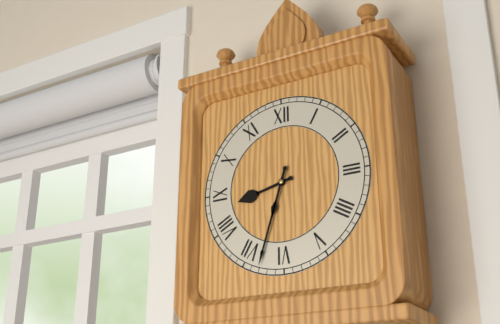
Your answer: 8,33
